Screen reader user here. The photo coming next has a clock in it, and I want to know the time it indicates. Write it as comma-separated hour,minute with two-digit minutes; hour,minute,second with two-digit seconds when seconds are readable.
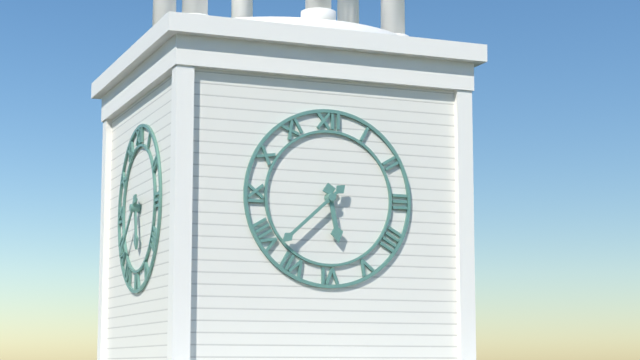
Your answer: 5,38
